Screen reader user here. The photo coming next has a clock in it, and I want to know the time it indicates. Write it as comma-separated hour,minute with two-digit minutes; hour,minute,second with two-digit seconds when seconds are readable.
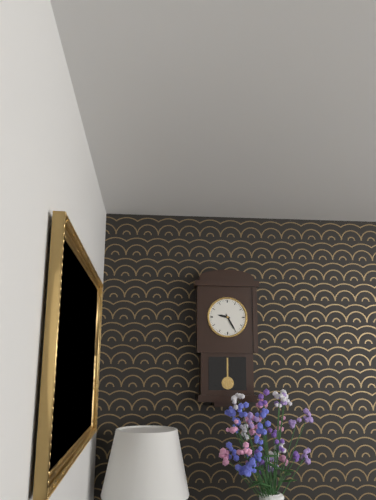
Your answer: 9,25
